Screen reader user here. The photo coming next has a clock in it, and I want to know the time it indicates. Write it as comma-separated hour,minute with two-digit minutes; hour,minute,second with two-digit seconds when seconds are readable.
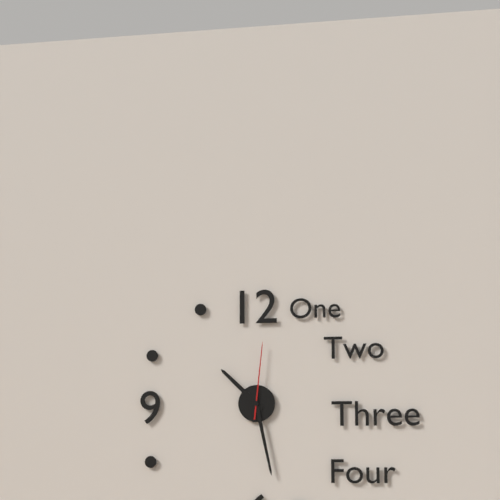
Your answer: 10,28,01
